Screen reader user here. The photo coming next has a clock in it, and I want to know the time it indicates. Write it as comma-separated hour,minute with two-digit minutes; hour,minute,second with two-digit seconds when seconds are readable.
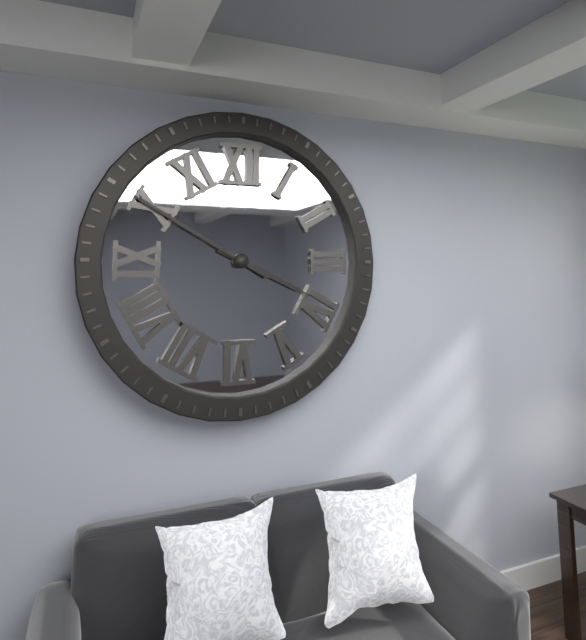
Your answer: 3,50
